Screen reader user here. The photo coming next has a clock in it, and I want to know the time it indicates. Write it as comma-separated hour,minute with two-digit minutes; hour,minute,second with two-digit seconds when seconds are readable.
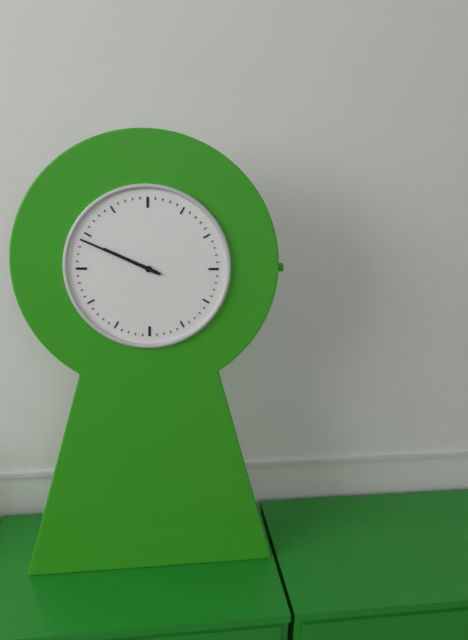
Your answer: 9,49
